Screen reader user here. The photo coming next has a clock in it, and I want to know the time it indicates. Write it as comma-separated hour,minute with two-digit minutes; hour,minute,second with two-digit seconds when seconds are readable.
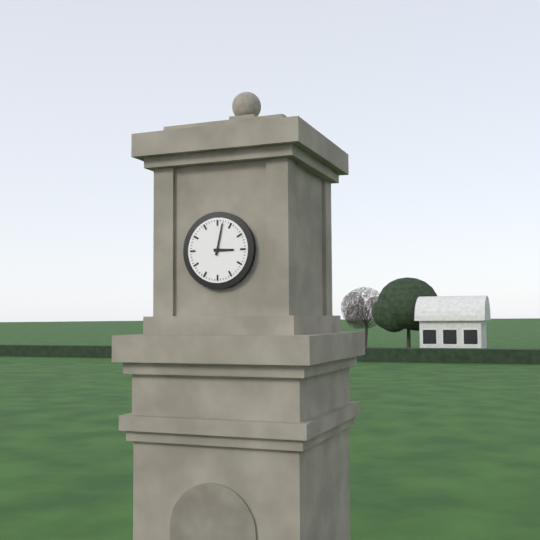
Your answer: 3,02
